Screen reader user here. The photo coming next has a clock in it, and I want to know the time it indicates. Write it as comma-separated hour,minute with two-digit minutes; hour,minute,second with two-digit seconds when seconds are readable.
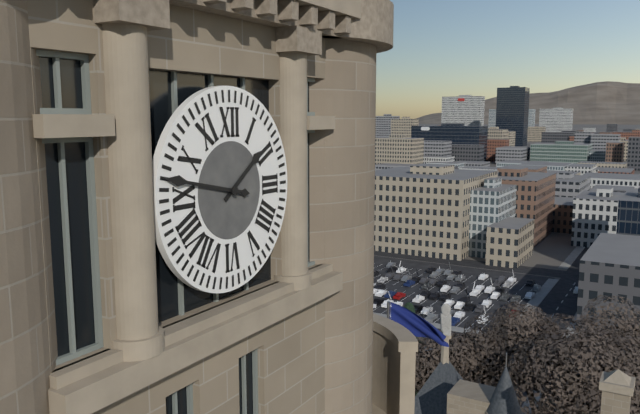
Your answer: 1,47
